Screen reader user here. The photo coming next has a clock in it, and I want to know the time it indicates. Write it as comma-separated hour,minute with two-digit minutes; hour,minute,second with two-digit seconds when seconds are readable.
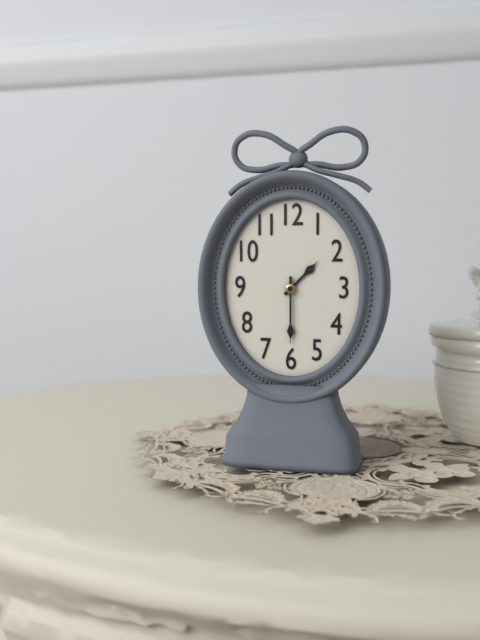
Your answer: 1,30
